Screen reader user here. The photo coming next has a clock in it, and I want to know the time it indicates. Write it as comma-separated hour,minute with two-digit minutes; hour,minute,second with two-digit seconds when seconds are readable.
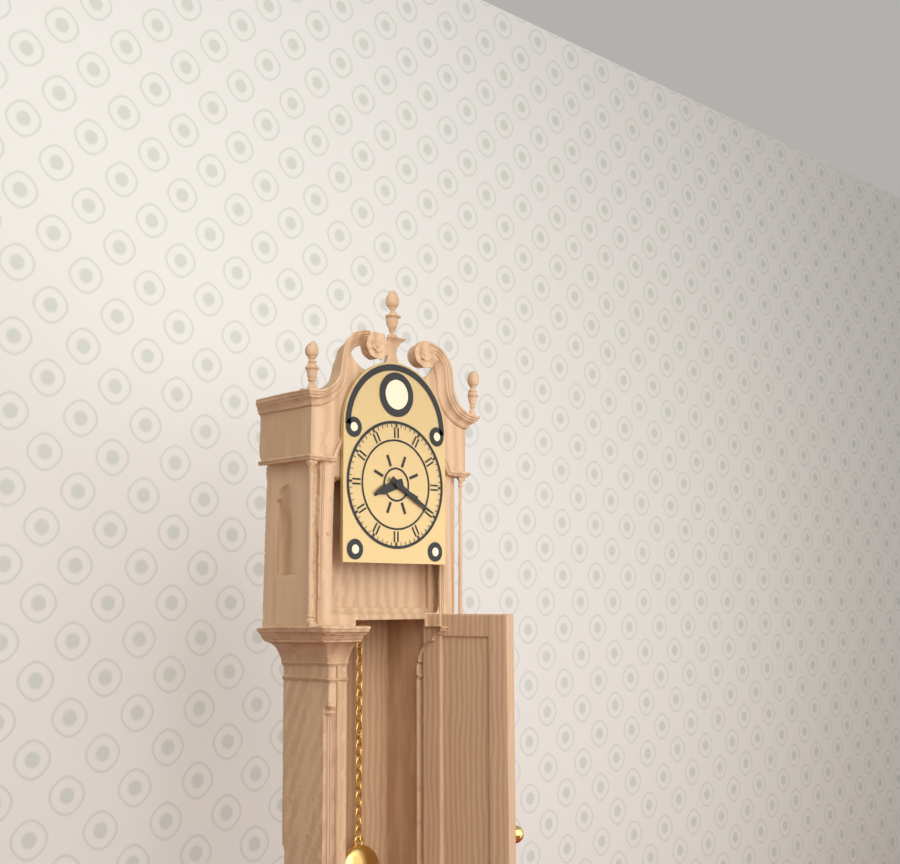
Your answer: 8,20
